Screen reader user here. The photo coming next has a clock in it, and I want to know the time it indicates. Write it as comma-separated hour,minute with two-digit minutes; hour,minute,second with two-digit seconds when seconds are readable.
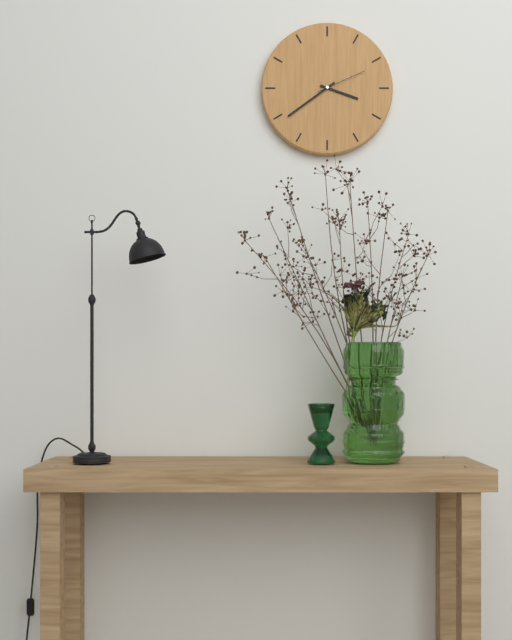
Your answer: 3,39,11
